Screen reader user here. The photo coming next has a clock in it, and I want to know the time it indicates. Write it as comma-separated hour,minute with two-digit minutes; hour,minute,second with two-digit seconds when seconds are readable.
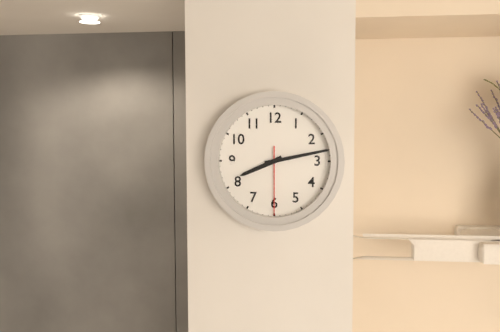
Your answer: 8,13,30
